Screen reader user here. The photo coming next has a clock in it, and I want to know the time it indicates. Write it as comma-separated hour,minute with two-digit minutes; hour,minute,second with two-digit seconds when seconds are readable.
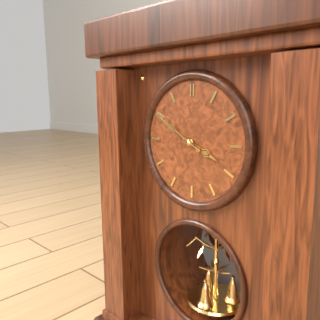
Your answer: 3,50
